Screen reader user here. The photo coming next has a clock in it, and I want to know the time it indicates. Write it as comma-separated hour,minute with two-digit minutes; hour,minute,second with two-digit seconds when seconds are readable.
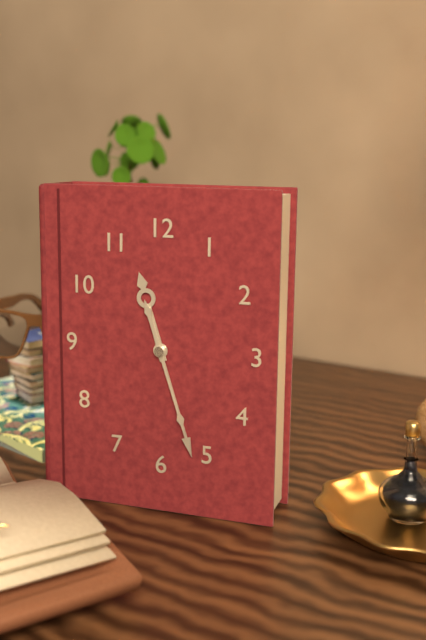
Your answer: 11,27
